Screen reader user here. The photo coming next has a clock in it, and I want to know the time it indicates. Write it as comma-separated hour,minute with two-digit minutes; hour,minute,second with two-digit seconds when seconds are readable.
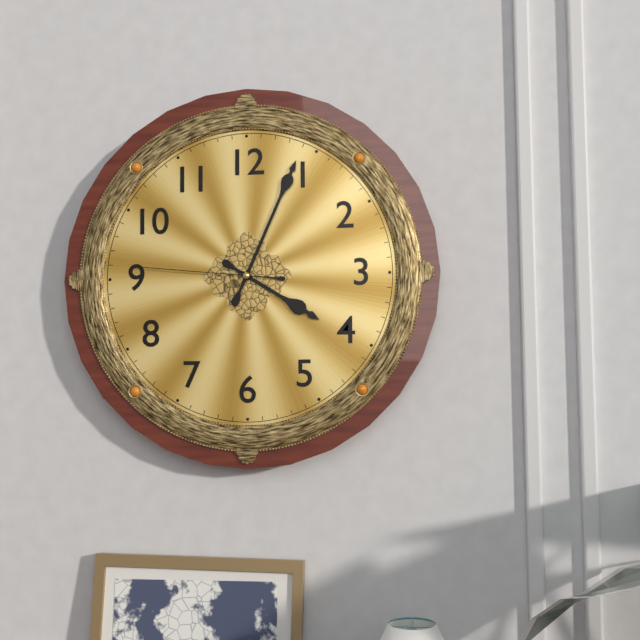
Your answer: 4,04,46
